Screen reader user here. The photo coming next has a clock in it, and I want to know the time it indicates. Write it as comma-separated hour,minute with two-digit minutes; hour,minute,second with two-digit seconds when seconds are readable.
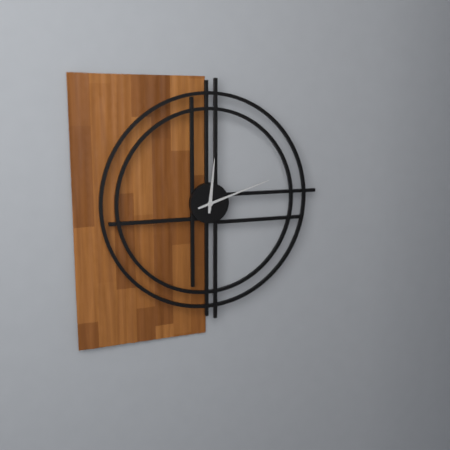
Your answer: 12,12
